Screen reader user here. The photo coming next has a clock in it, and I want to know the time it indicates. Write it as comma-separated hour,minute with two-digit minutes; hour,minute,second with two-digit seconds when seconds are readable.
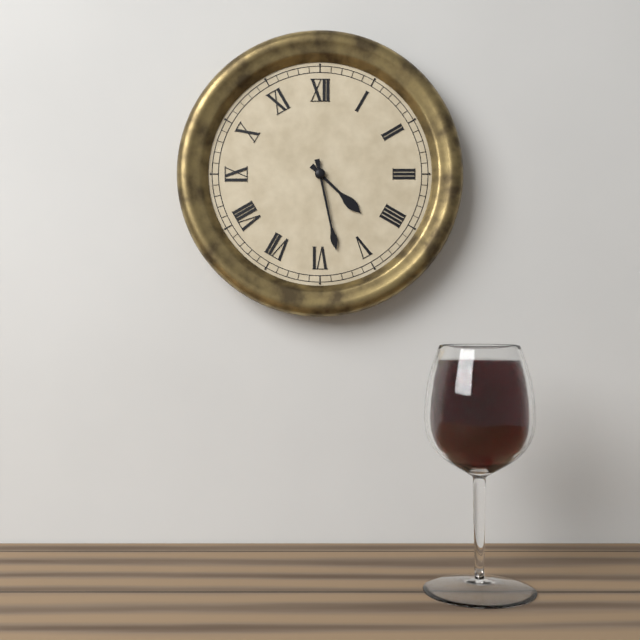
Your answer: 4,28
